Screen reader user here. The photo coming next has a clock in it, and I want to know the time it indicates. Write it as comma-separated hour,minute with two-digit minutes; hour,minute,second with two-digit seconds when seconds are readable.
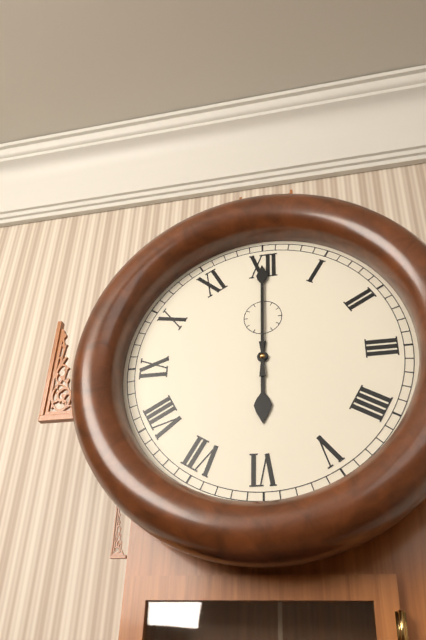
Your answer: 6,00
